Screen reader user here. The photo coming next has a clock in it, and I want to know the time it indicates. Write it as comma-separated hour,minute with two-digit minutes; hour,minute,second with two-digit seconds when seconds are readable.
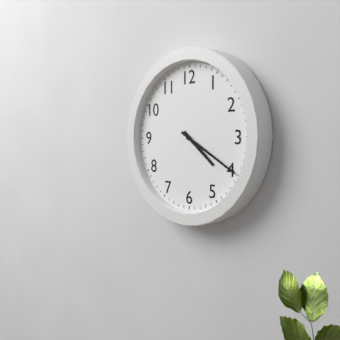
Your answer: 4,20
